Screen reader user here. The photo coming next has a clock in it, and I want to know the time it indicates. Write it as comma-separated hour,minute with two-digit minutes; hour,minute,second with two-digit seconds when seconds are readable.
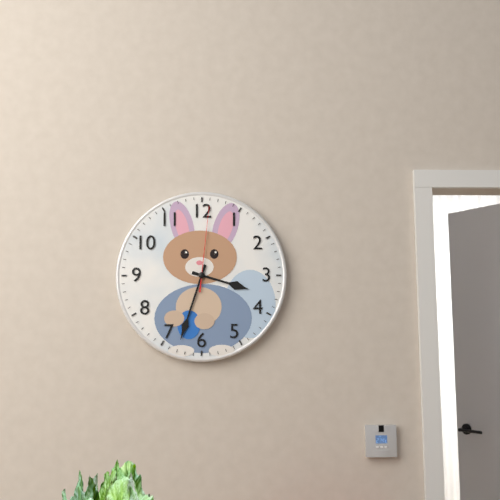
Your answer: 3,33,01
